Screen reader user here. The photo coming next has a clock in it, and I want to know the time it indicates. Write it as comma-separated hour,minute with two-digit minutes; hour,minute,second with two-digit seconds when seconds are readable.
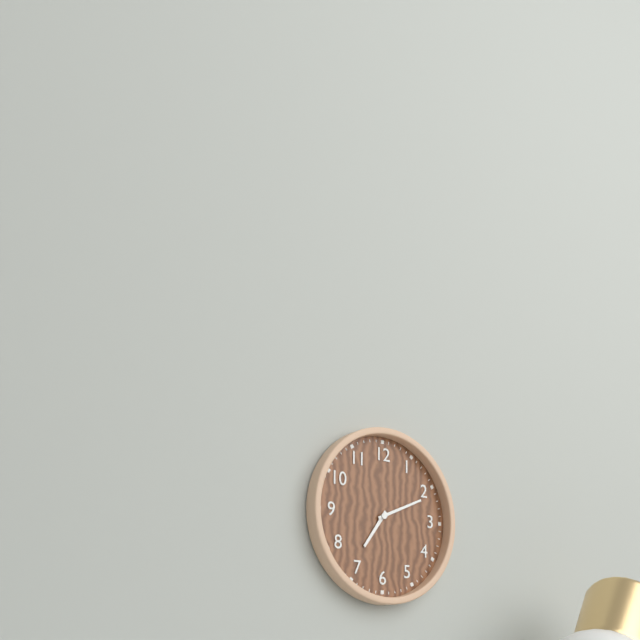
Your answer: 7,11
